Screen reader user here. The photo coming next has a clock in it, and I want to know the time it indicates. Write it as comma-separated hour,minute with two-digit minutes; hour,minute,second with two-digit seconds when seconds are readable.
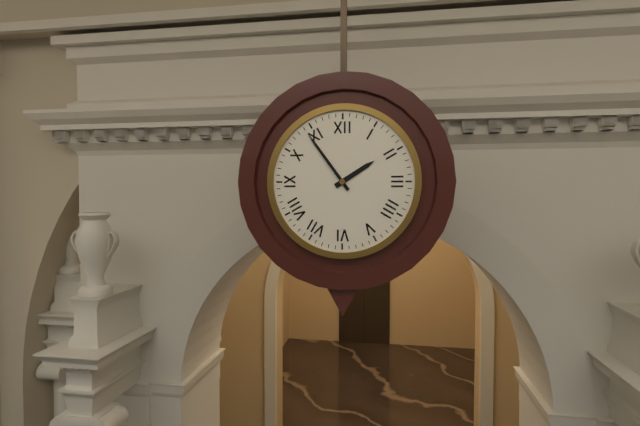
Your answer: 1,54
